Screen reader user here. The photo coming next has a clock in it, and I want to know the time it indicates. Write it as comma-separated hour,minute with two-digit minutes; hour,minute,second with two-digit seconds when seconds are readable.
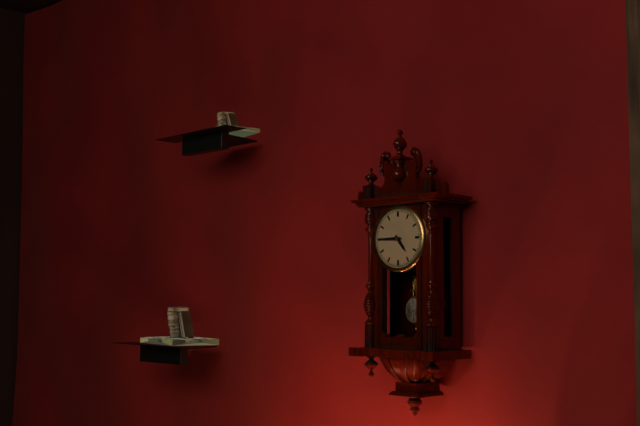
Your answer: 4,45
